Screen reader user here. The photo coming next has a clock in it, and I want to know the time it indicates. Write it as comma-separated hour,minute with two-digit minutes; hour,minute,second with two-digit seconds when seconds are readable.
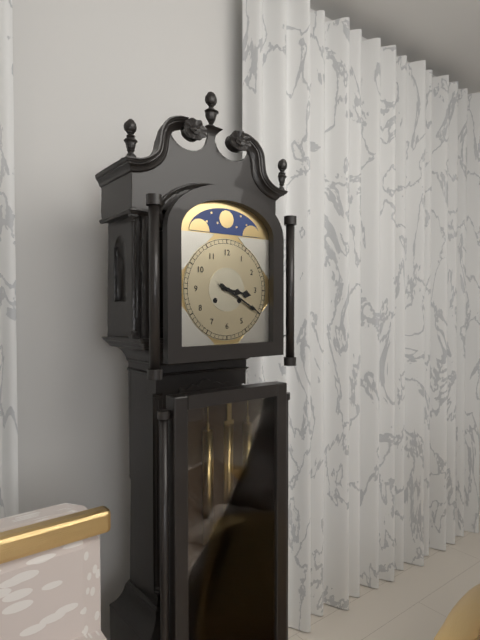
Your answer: 3,20
